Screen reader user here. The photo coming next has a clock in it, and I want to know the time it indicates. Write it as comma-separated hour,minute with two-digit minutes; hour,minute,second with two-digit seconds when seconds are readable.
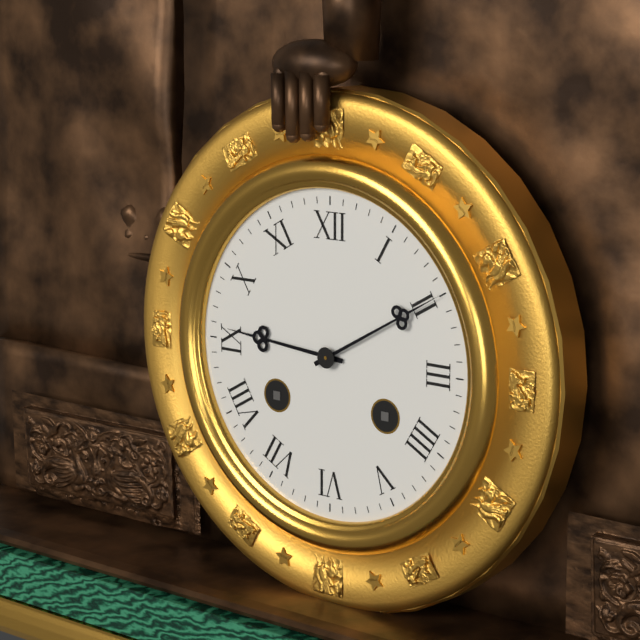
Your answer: 9,10
